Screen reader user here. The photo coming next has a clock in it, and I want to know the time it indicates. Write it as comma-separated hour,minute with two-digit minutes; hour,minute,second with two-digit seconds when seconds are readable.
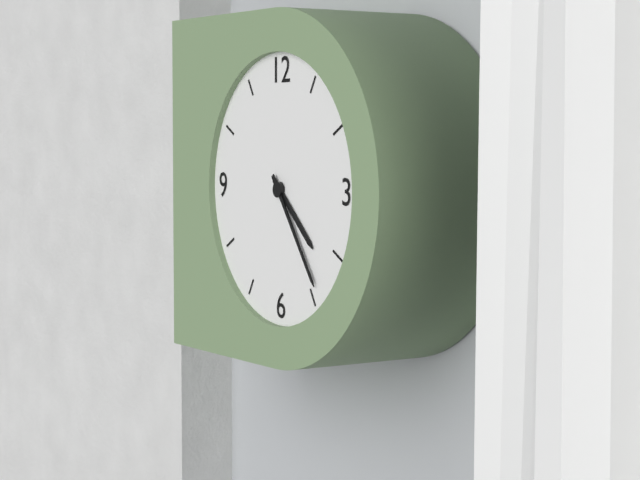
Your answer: 4,24
